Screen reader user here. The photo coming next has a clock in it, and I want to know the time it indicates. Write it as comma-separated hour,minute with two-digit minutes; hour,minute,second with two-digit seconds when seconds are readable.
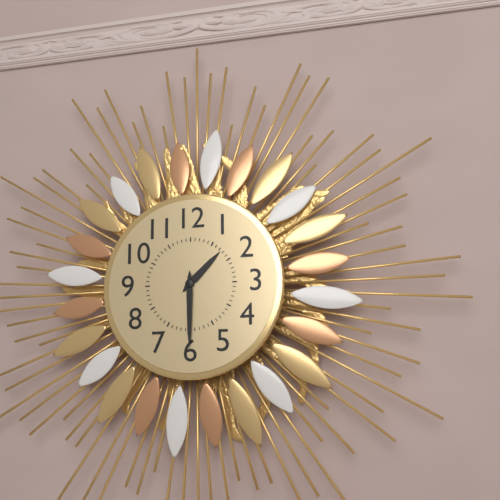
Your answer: 1,30
